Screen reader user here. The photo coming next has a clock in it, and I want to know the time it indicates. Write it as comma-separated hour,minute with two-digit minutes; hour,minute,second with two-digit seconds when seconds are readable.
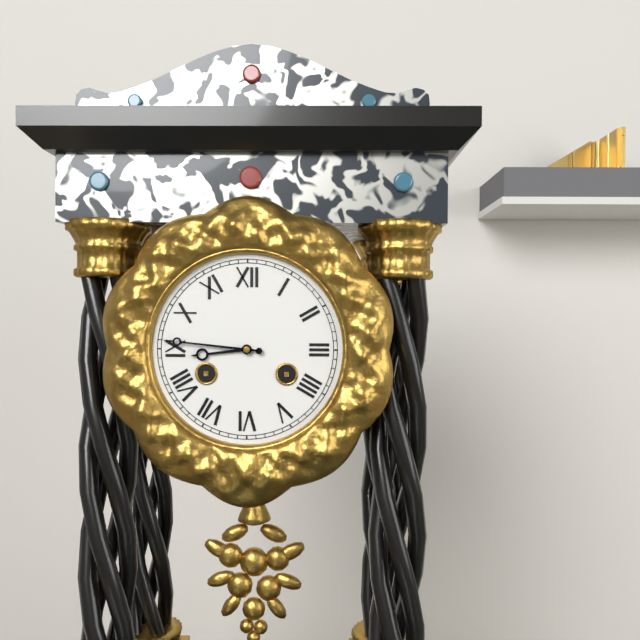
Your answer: 8,46
